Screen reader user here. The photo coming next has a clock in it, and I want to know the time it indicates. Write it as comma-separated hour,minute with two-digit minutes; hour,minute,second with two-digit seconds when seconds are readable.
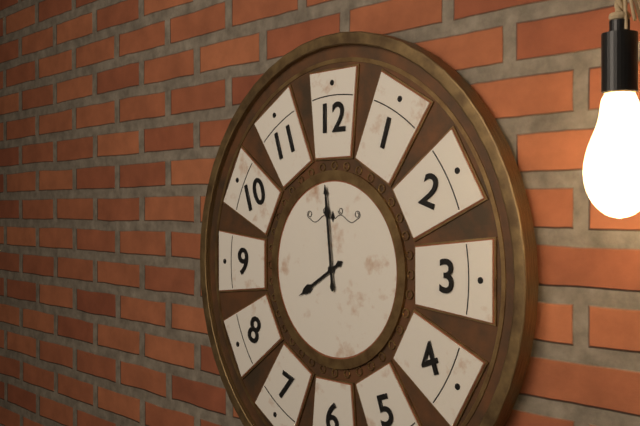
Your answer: 7,59
